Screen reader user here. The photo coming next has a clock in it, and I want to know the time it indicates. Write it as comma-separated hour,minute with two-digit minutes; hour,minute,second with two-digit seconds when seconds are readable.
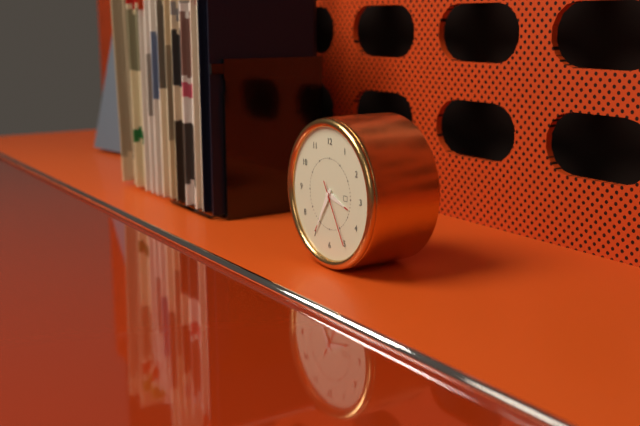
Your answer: 3,35,25
